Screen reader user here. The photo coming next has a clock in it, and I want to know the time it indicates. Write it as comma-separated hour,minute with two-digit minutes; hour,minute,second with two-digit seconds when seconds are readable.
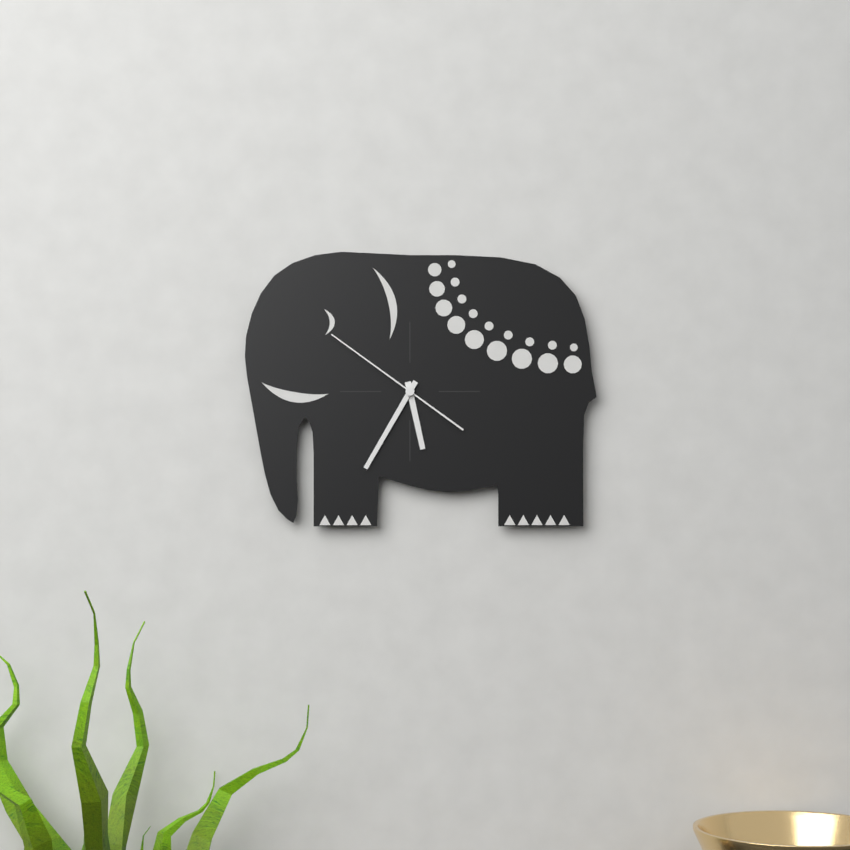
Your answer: 5,35,51
